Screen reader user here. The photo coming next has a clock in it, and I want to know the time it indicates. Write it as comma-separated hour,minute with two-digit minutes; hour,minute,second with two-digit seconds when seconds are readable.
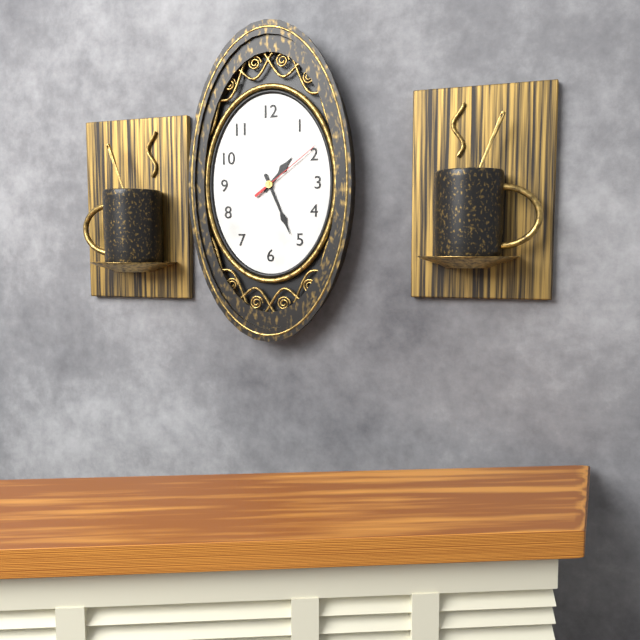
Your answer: 1,26,09
